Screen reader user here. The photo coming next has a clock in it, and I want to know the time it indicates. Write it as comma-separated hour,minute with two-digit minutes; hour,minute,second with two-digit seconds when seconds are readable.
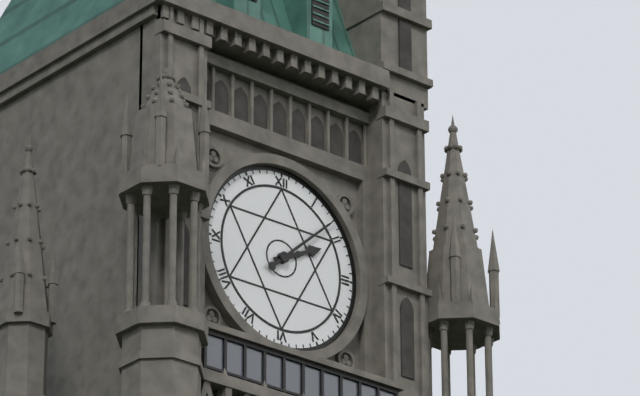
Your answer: 2,08
